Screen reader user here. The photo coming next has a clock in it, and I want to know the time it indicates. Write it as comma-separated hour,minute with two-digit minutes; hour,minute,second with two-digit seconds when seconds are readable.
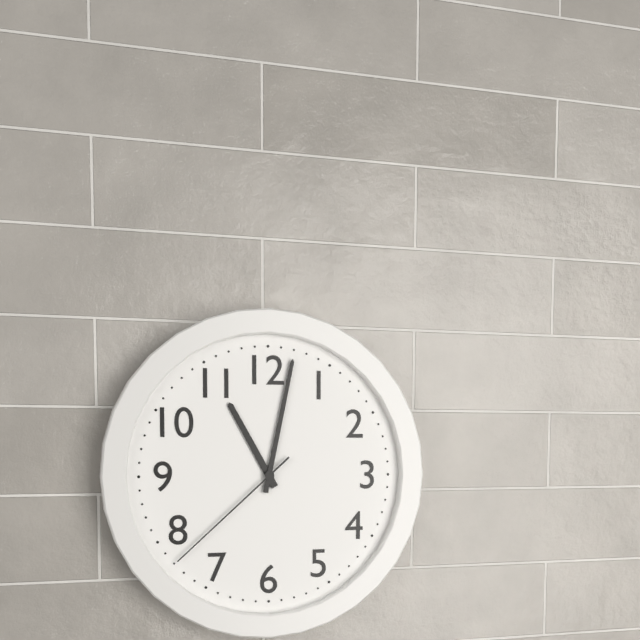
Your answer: 11,02,38
